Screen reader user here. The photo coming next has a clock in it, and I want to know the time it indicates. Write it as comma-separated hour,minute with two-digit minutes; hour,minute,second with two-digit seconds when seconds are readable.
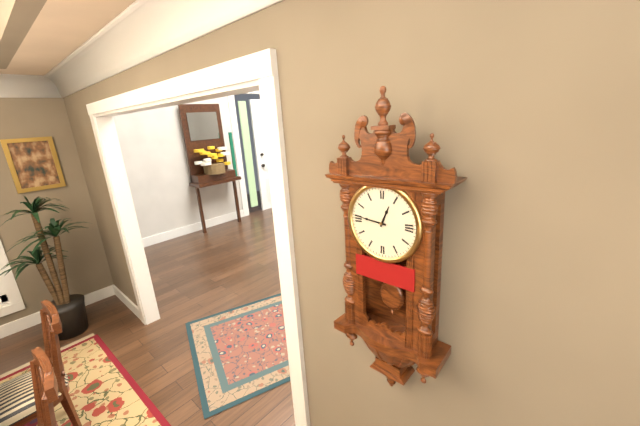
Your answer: 12,46
